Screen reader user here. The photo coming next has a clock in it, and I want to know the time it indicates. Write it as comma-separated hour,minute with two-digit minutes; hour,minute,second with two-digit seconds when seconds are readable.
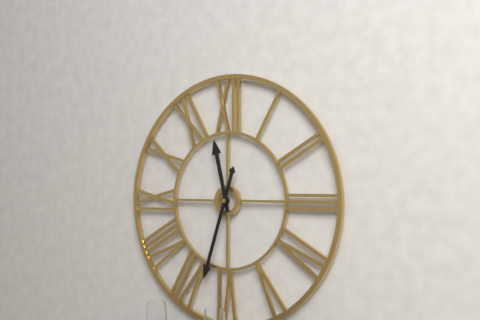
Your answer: 11,33
